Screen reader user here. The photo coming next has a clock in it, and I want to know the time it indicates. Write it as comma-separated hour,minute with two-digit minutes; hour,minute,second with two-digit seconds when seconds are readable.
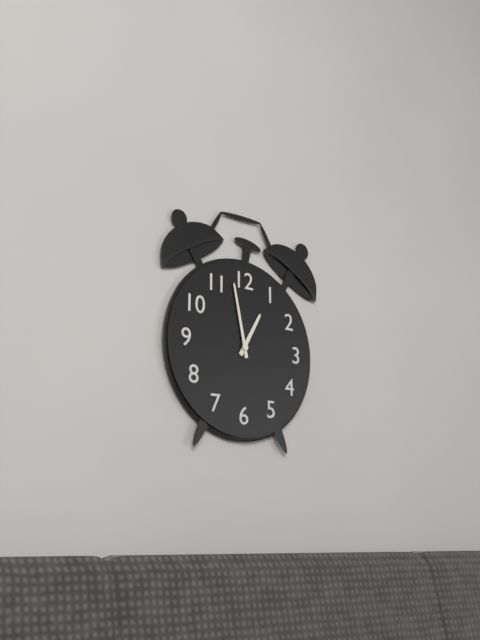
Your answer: 12,58
